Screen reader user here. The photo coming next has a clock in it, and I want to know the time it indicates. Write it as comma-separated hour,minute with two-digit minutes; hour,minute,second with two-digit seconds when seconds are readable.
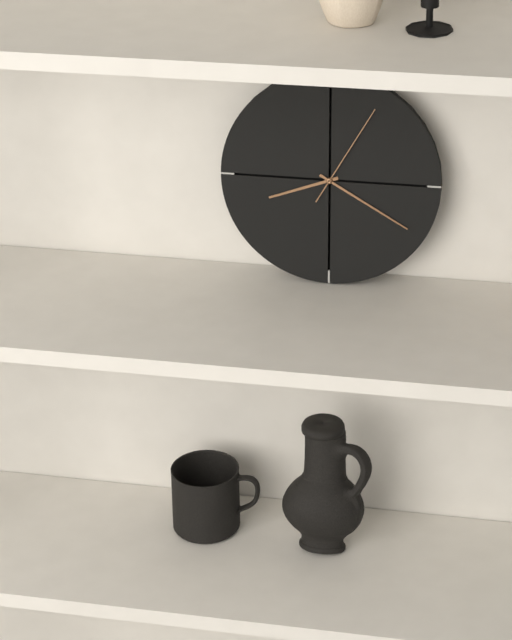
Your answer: 8,20,05
